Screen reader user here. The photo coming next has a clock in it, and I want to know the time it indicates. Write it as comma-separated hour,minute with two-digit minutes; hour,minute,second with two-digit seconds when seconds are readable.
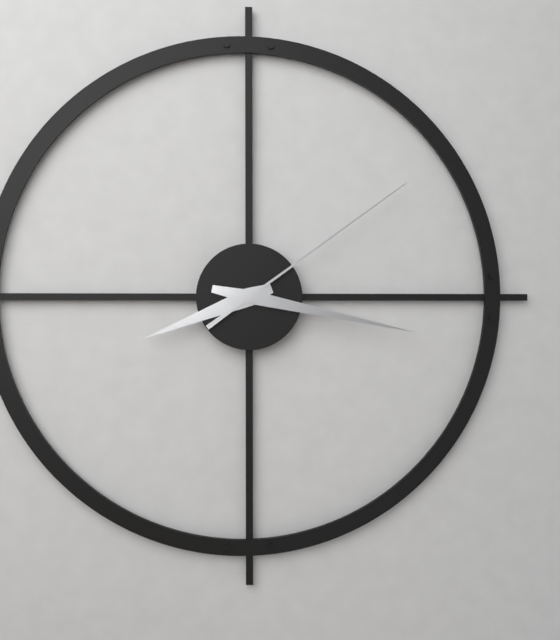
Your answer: 8,17,09
